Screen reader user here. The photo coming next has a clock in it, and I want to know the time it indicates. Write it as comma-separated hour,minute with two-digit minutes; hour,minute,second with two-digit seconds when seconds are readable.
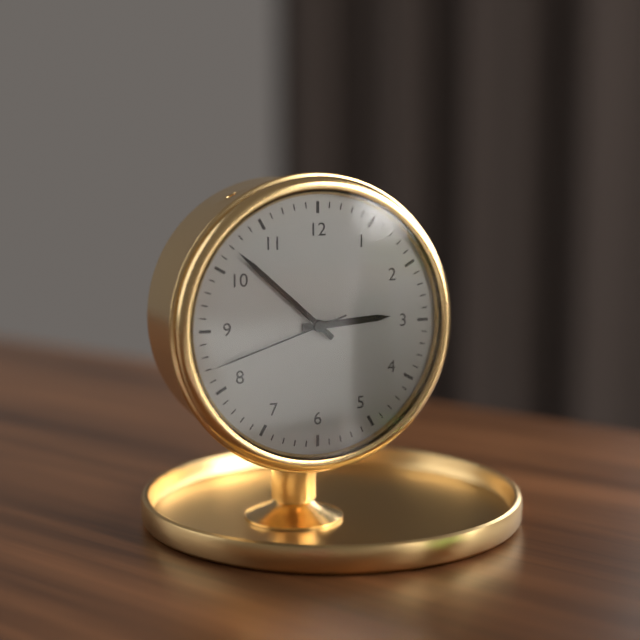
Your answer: 2,52,42
